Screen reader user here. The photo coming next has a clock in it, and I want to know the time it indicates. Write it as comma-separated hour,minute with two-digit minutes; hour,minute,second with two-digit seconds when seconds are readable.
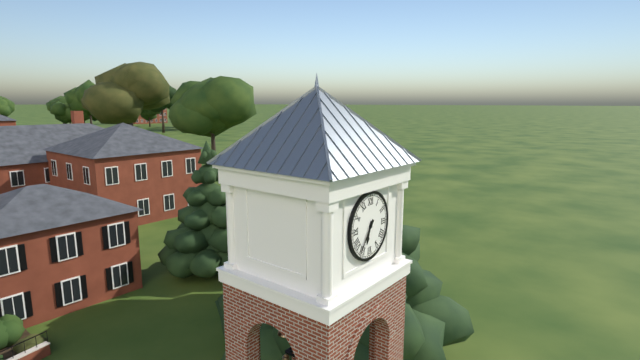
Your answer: 6,36
